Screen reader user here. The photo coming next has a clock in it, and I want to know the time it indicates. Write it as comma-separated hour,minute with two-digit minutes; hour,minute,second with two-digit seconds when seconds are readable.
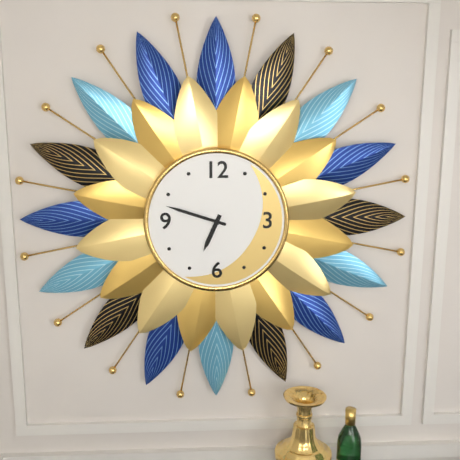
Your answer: 6,48
